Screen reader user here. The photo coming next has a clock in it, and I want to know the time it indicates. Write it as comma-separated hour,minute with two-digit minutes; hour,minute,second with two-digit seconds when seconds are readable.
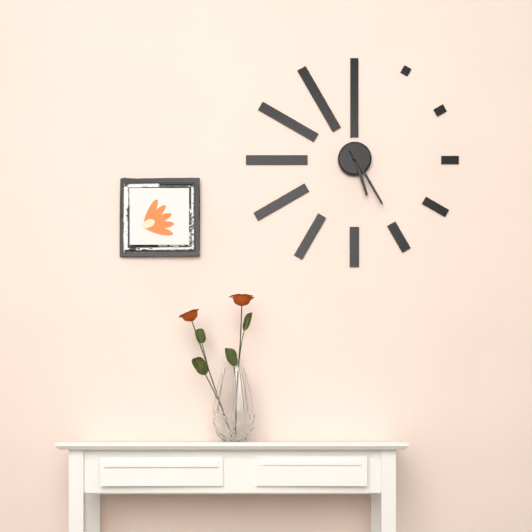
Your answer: 5,25
